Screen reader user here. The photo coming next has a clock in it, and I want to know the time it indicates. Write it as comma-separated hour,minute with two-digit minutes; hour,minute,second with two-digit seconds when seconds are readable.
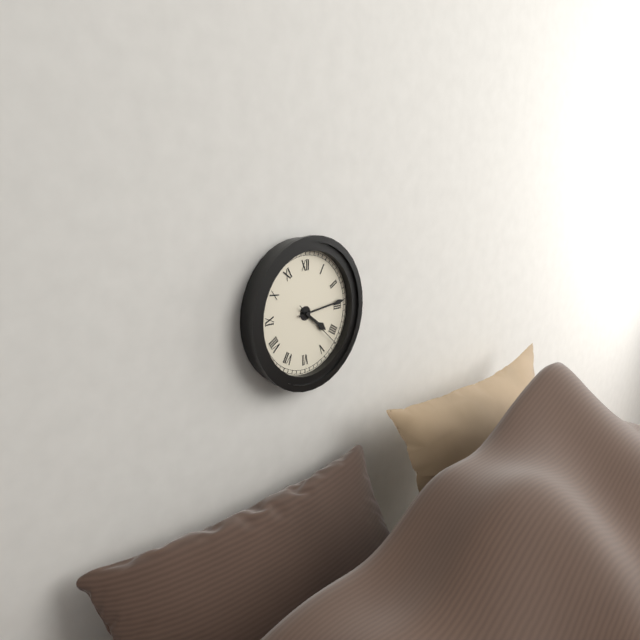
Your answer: 4,14,22
